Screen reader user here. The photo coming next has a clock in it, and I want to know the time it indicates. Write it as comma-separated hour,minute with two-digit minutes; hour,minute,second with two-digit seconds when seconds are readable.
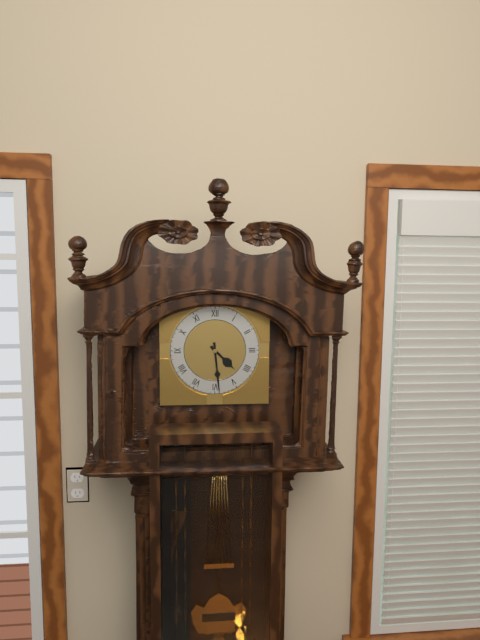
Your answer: 4,29
